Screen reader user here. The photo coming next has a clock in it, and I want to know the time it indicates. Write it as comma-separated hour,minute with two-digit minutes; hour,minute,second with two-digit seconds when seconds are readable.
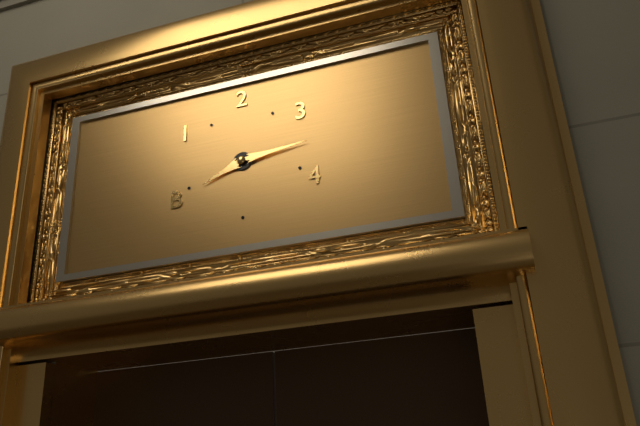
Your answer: 8,14
